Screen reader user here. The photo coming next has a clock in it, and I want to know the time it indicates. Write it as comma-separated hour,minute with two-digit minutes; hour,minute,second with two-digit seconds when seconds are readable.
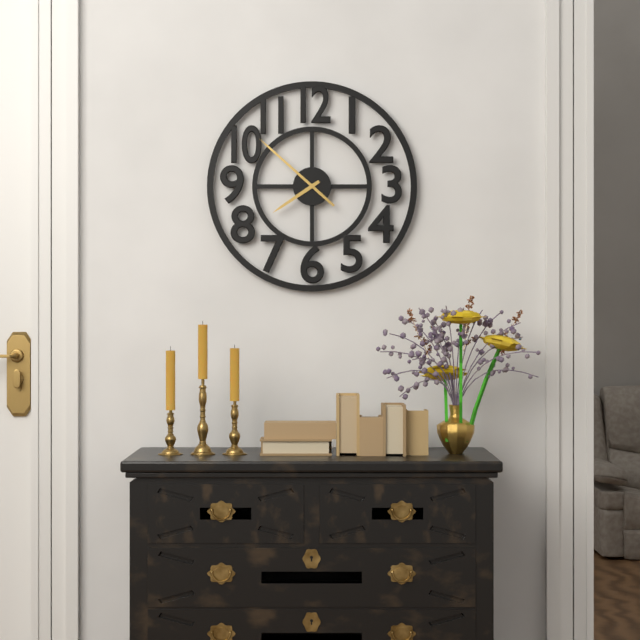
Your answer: 7,52
